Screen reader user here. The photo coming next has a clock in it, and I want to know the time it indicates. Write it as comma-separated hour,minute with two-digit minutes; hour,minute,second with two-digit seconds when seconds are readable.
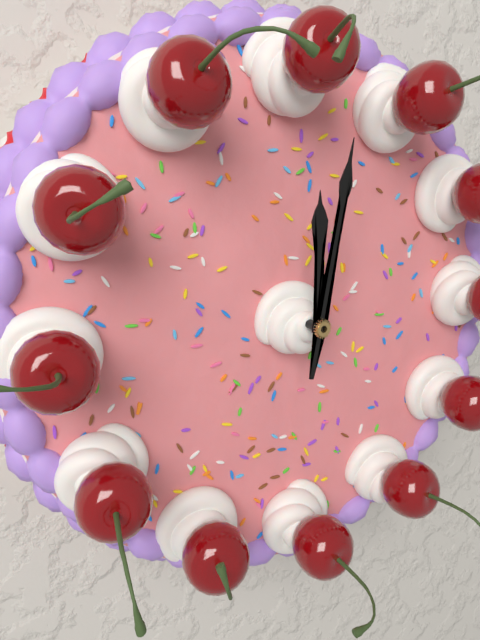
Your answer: 12,02
